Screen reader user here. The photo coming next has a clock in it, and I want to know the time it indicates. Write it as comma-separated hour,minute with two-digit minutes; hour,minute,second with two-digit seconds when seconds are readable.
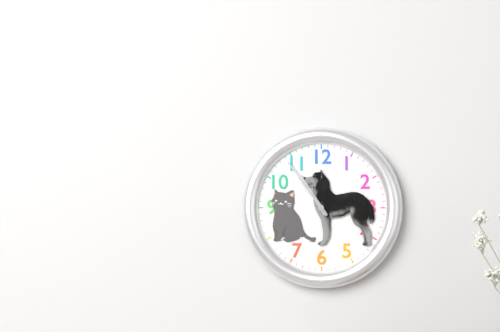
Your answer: 10,54
